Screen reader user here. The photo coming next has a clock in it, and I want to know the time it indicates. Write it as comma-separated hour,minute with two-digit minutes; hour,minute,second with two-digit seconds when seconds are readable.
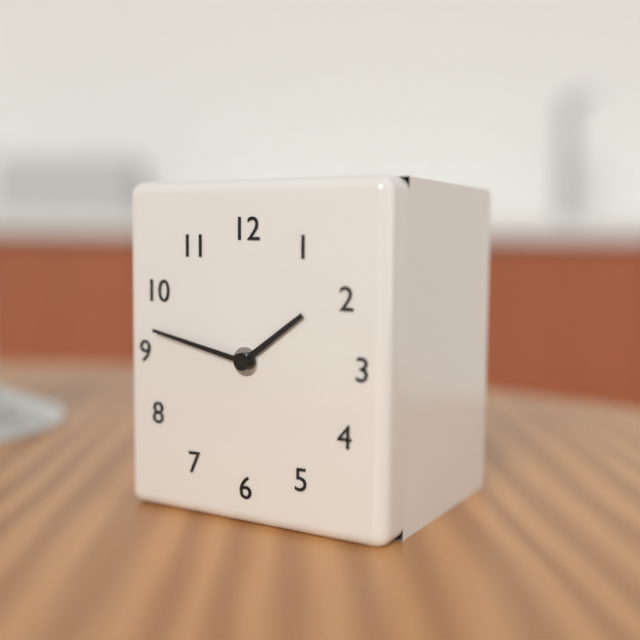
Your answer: 1,47
